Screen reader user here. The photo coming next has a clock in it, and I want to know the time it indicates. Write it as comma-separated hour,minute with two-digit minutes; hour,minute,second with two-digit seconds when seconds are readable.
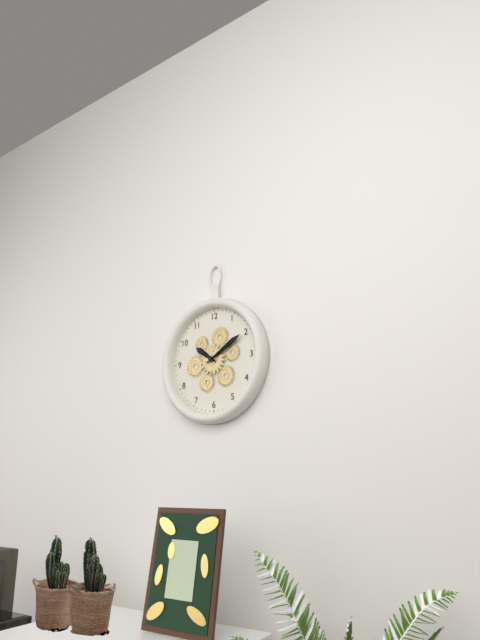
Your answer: 10,10
